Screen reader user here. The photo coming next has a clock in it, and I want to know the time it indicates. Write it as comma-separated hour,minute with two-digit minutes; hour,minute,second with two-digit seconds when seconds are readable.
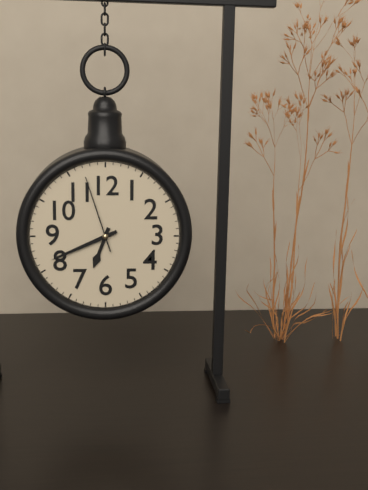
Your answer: 6,41,57
